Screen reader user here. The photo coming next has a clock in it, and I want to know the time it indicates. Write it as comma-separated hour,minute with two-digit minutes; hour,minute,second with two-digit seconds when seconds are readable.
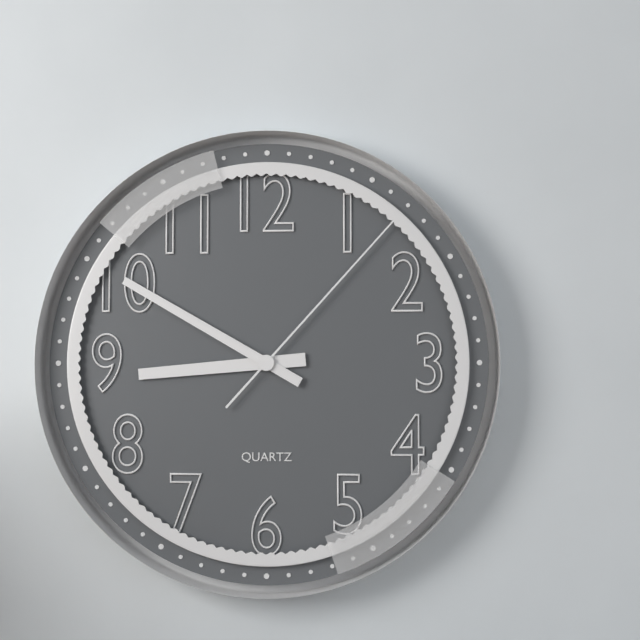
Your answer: 8,50,07
